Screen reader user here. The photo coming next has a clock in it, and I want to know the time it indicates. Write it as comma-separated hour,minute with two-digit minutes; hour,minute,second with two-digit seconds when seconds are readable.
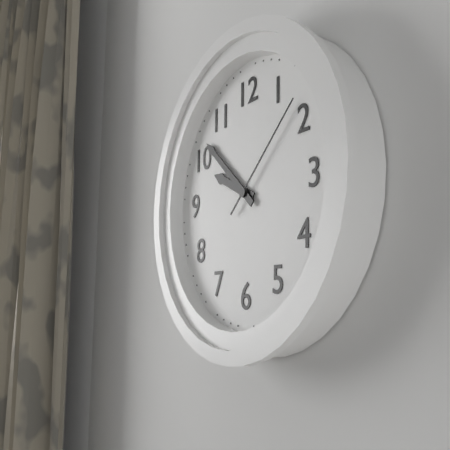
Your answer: 9,52,08
